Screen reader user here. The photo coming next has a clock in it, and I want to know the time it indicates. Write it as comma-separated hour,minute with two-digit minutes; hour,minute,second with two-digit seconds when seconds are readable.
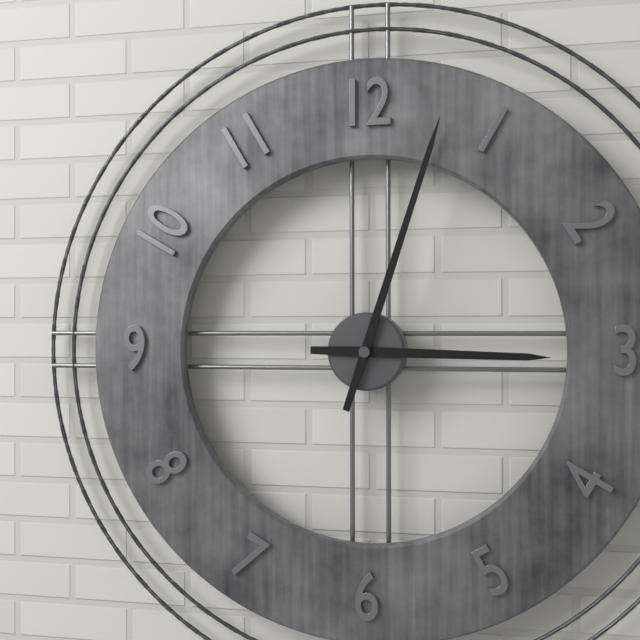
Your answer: 3,03
